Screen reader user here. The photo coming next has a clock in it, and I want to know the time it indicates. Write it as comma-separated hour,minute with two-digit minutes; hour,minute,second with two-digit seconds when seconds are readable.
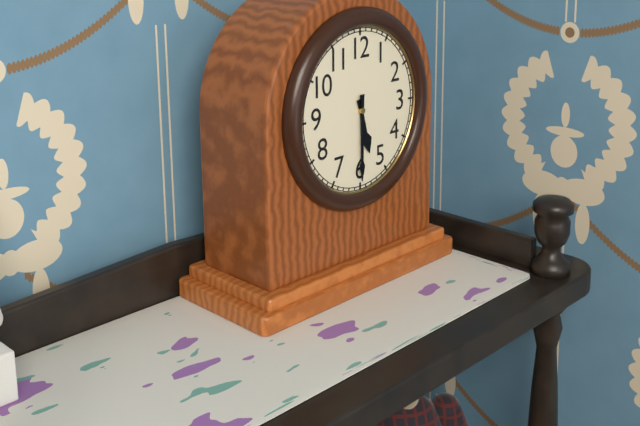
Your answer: 5,30
